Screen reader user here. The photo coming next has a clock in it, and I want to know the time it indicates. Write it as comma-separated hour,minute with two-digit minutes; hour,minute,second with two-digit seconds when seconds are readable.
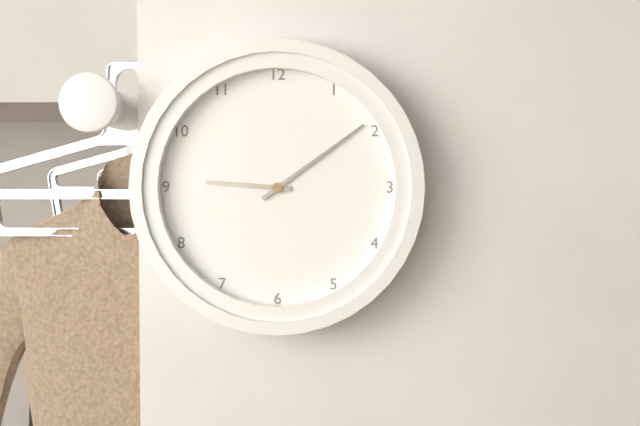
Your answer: 9,09
